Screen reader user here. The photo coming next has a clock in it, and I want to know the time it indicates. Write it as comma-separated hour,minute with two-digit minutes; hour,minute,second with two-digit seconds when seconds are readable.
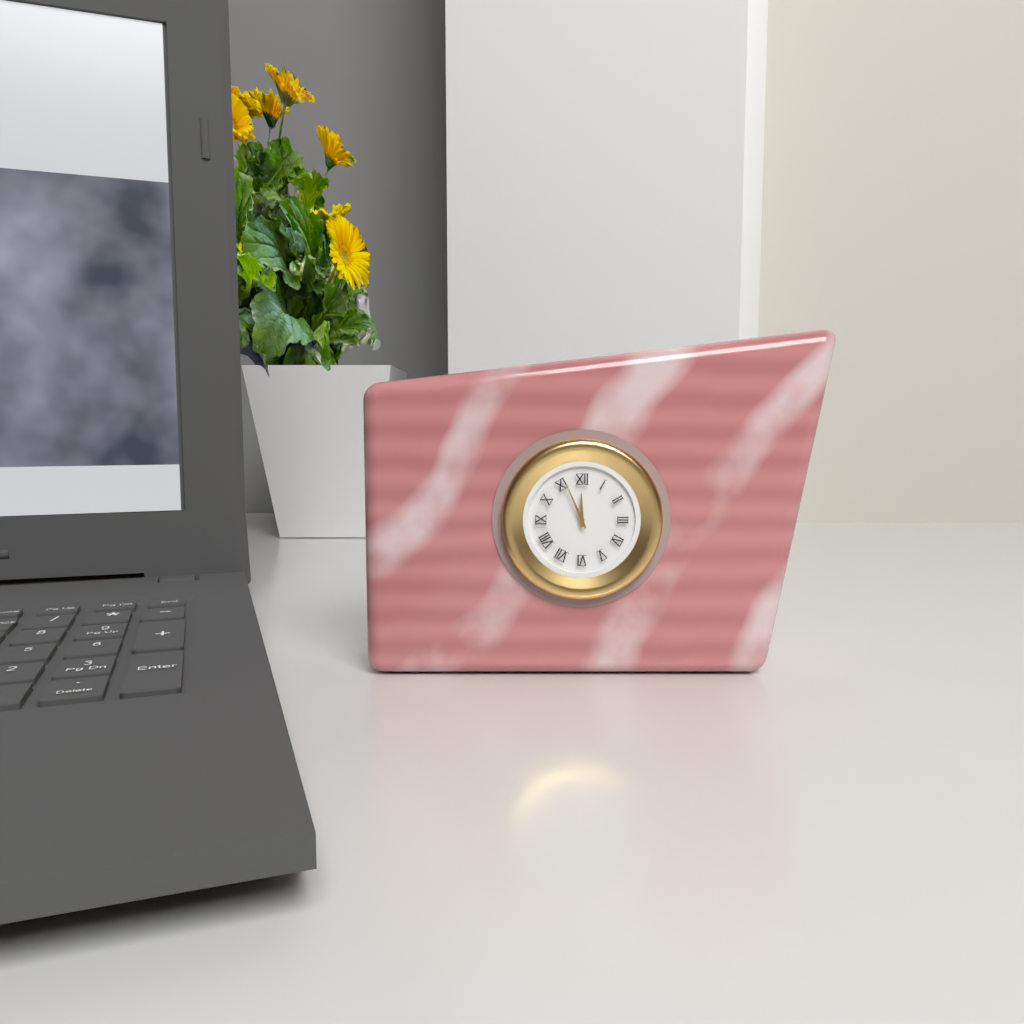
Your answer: 11,56
